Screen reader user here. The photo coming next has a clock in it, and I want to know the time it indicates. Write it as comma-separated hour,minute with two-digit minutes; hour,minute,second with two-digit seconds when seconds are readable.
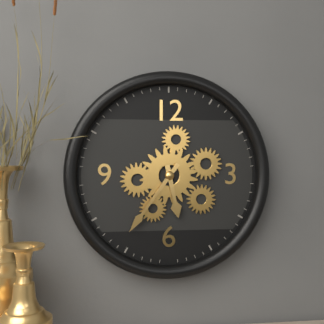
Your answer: 5,36
